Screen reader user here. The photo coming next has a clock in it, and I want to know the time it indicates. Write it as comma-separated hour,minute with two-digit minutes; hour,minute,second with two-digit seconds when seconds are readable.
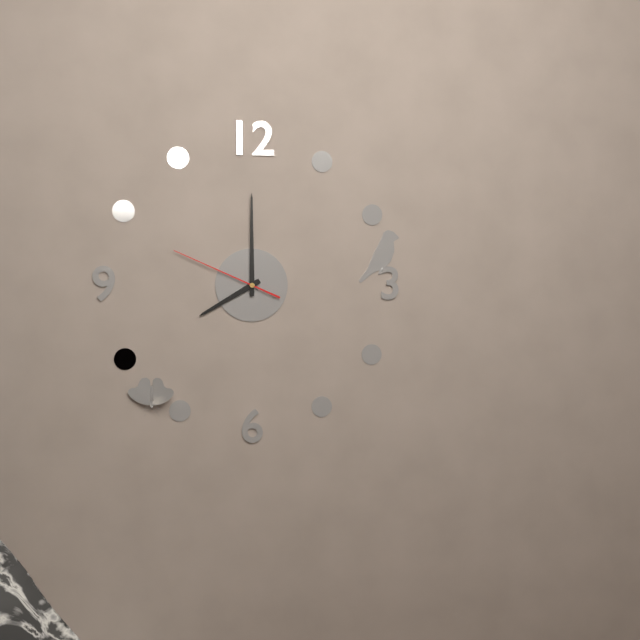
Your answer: 8,00,49
